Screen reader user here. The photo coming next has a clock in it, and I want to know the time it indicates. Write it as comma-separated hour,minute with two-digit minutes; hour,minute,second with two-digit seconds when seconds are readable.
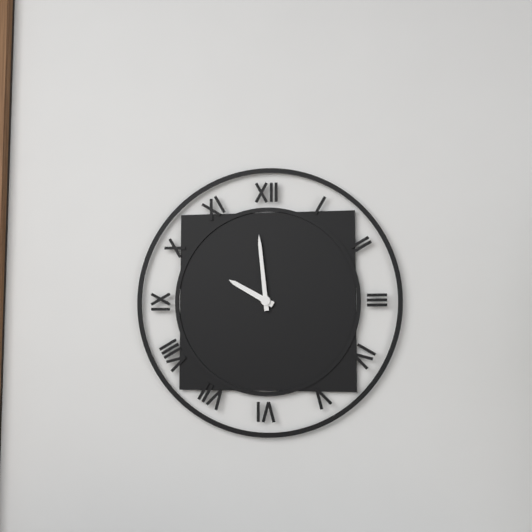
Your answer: 9,59
